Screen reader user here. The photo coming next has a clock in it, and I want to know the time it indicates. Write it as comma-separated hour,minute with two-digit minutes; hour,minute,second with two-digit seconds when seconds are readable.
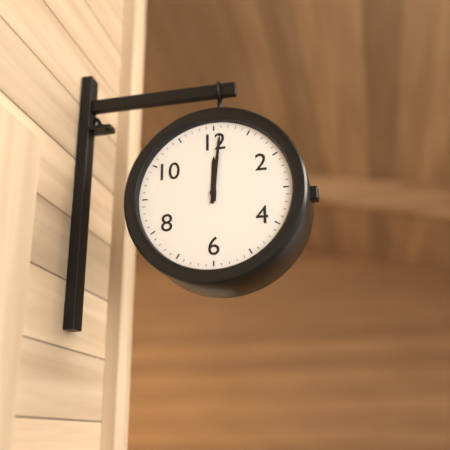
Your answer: 12,01
